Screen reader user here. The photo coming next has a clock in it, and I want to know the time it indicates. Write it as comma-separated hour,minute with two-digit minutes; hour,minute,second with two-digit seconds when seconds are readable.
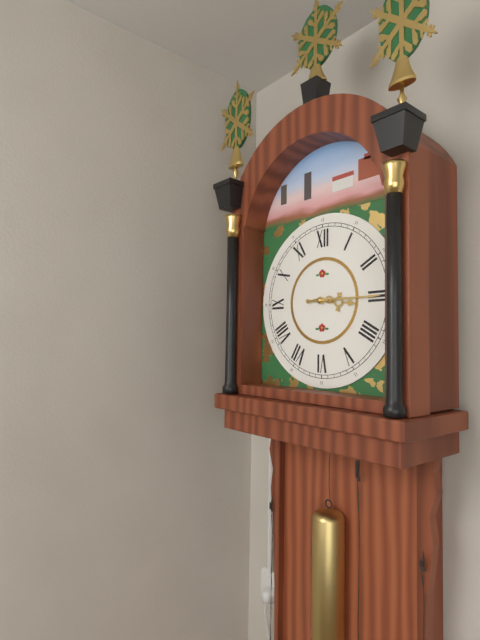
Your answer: 3,15
